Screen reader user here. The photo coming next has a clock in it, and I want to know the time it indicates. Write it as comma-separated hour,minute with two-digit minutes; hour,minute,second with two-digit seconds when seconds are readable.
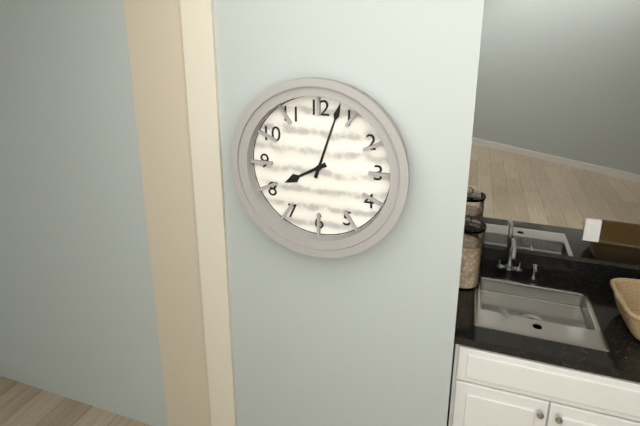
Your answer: 8,03
